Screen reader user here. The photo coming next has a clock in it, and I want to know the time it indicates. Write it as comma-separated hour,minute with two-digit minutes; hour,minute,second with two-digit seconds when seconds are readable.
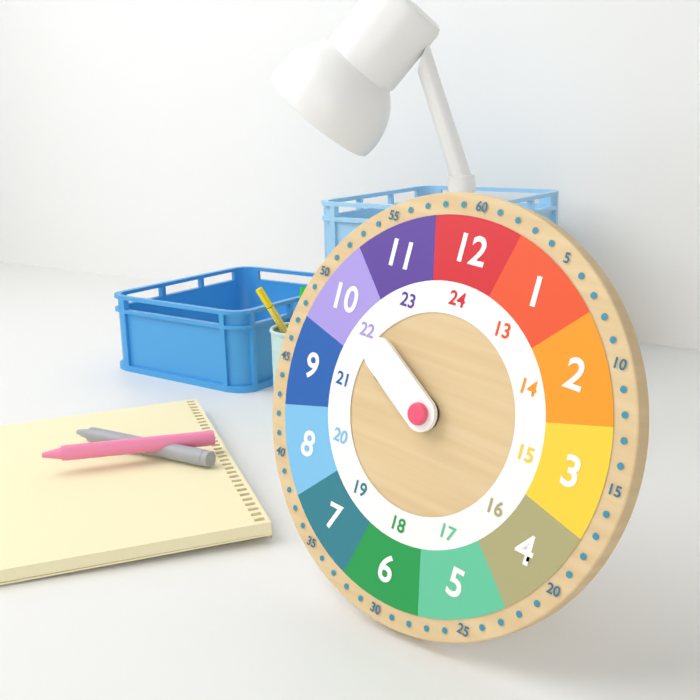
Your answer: 9,50
